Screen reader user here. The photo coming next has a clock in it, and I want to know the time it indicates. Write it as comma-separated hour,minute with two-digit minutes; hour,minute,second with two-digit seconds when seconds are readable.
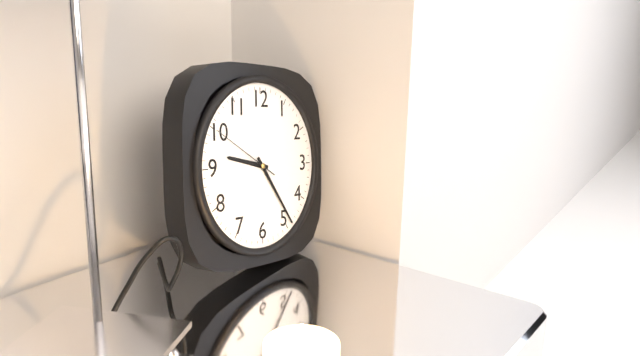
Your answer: 9,24,50
